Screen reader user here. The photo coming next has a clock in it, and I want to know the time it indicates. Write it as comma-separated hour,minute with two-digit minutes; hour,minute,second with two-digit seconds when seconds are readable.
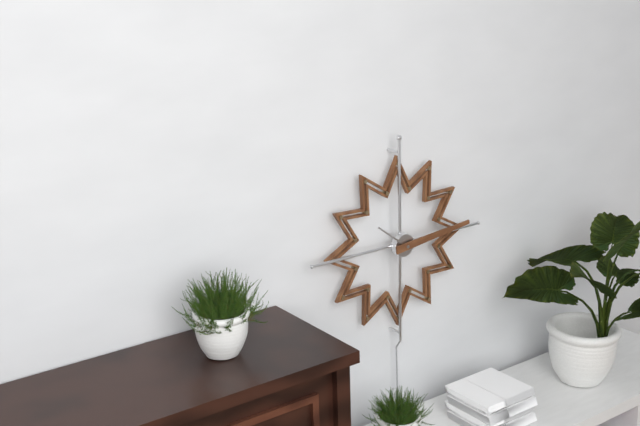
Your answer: 10,14
